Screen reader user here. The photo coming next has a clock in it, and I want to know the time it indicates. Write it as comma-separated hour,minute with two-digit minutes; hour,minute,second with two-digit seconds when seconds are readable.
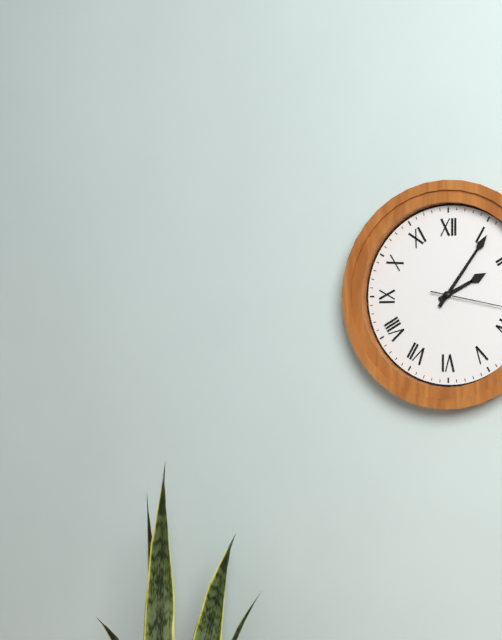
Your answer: 2,06
